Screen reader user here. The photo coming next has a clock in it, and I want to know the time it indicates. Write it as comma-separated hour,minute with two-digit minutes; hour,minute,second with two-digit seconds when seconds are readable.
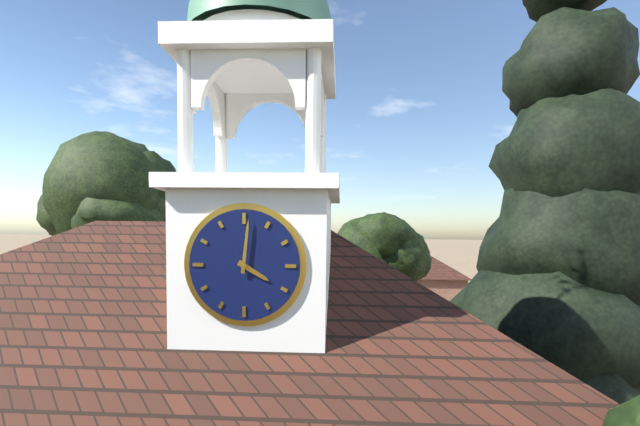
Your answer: 4,01
